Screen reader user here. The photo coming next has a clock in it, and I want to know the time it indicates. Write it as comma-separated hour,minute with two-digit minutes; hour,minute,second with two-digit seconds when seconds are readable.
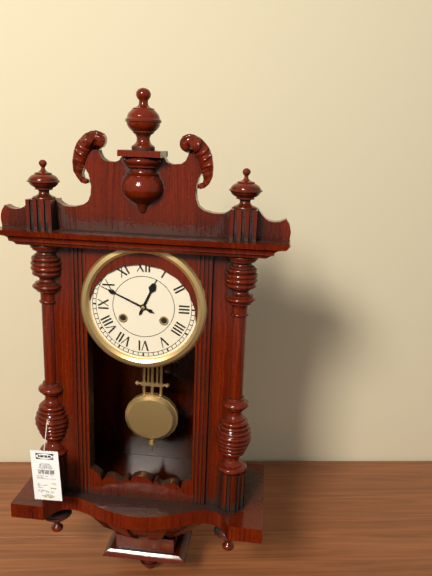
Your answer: 12,49
